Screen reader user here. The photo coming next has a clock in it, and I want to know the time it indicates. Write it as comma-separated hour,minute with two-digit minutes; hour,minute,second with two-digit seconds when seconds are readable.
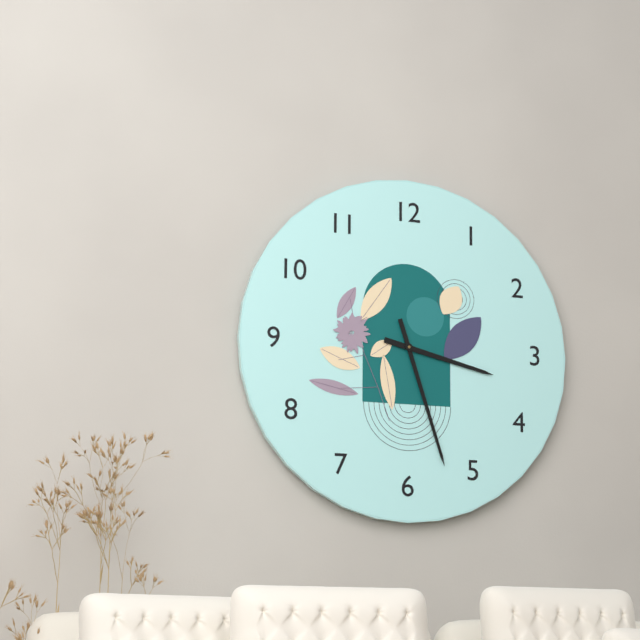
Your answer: 3,27
